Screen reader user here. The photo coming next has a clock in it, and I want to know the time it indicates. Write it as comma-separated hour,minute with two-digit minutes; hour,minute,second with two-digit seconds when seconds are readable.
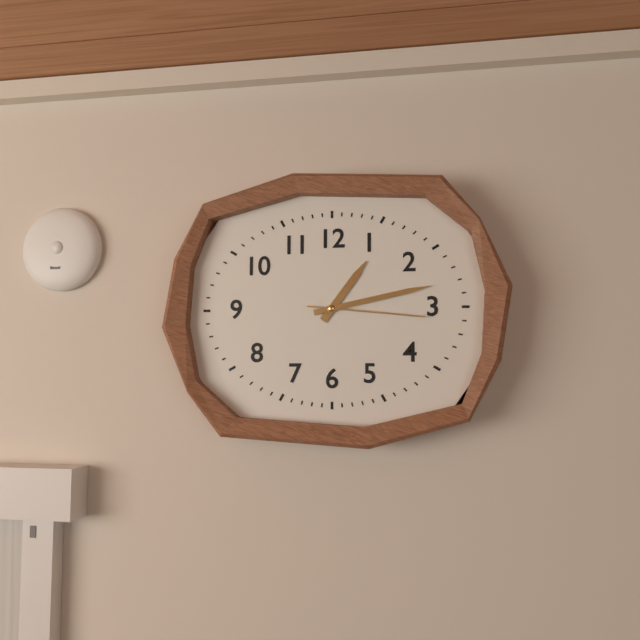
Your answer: 1,13,16
